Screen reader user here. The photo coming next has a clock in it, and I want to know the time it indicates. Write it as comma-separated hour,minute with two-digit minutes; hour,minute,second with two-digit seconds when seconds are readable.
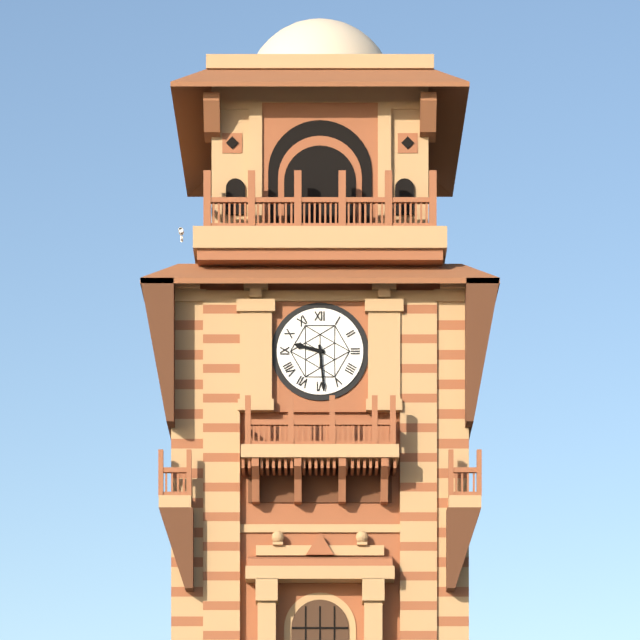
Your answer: 9,29
